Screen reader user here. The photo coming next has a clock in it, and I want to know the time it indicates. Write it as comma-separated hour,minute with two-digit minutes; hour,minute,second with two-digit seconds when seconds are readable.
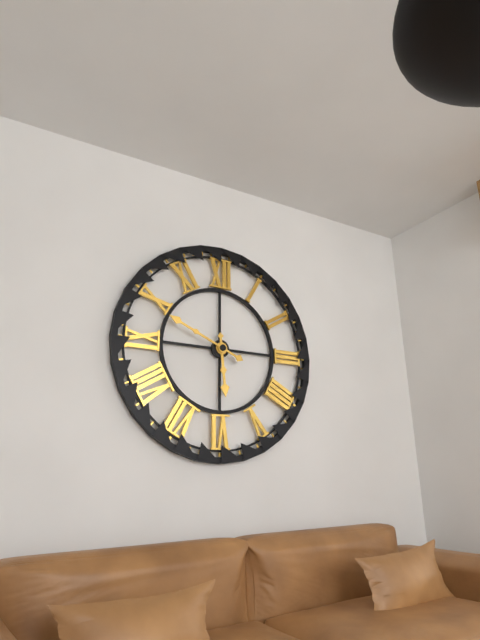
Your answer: 5,49
